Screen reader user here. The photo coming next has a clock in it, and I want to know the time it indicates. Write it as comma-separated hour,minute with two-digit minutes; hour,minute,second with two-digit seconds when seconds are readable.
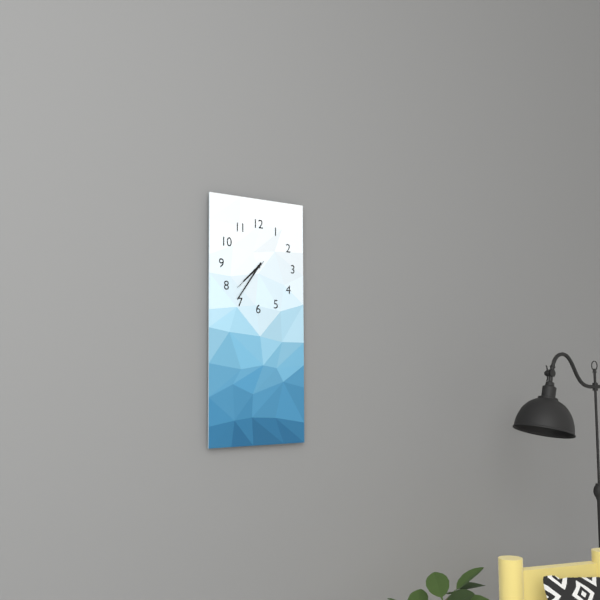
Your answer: 7,36
